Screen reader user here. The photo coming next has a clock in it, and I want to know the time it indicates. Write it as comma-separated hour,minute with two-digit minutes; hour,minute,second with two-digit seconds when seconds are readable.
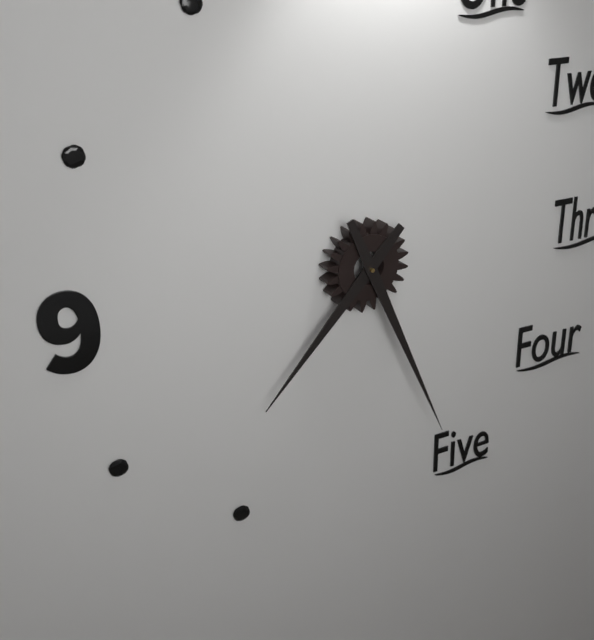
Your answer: 7,26
